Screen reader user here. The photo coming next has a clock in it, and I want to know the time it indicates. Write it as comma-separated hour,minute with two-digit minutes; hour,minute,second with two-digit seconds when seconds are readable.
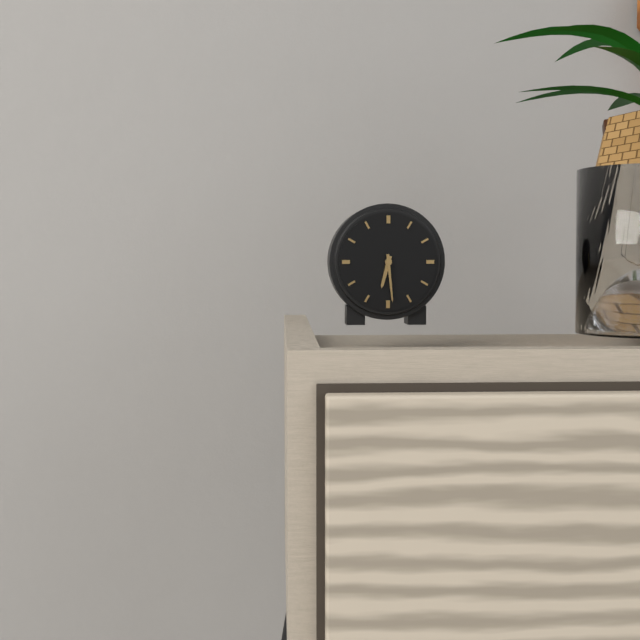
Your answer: 6,29
